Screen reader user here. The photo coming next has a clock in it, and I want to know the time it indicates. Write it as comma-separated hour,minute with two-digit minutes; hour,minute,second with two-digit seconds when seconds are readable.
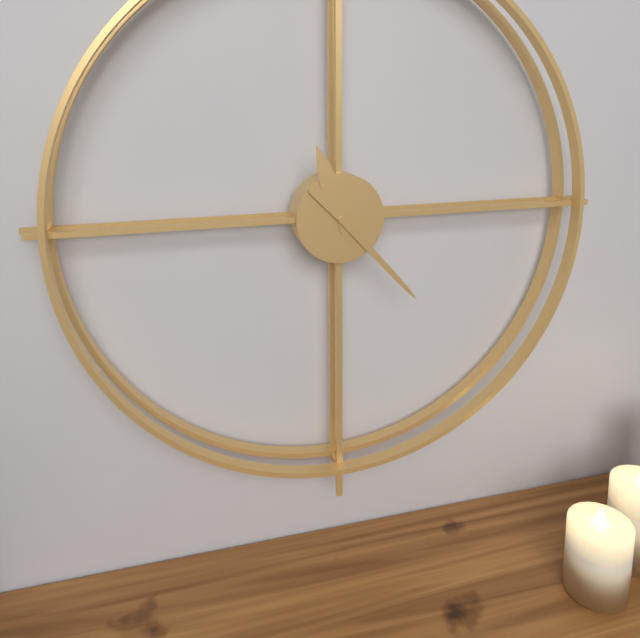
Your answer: 11,23
